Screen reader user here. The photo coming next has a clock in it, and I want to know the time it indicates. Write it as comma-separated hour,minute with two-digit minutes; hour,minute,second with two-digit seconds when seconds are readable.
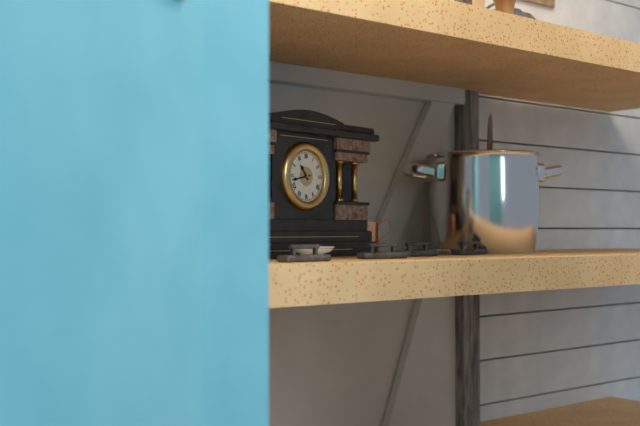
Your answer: 10,43
